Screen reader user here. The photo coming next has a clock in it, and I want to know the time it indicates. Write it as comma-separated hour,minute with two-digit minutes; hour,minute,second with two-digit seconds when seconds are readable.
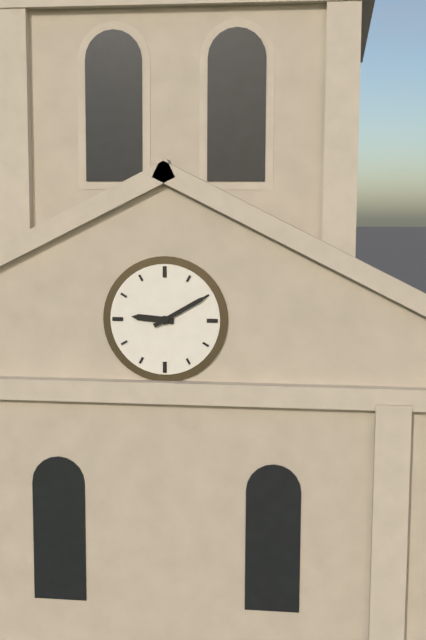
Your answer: 9,10
